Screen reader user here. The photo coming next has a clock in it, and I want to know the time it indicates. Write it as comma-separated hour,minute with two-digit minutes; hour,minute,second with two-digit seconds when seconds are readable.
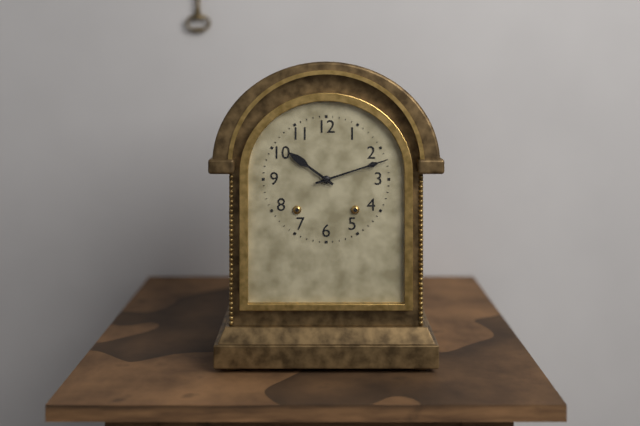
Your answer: 10,12
